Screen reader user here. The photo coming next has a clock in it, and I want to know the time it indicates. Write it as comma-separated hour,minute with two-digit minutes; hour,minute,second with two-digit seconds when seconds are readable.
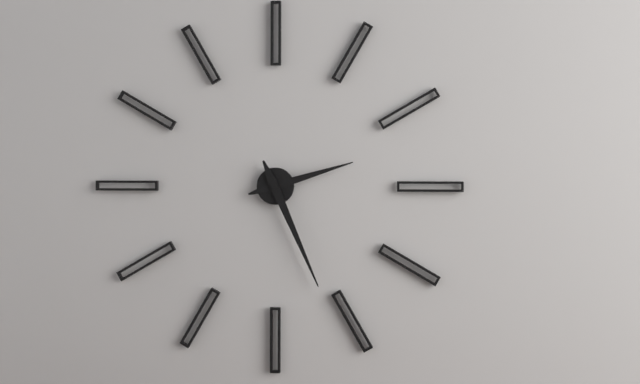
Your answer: 2,26
